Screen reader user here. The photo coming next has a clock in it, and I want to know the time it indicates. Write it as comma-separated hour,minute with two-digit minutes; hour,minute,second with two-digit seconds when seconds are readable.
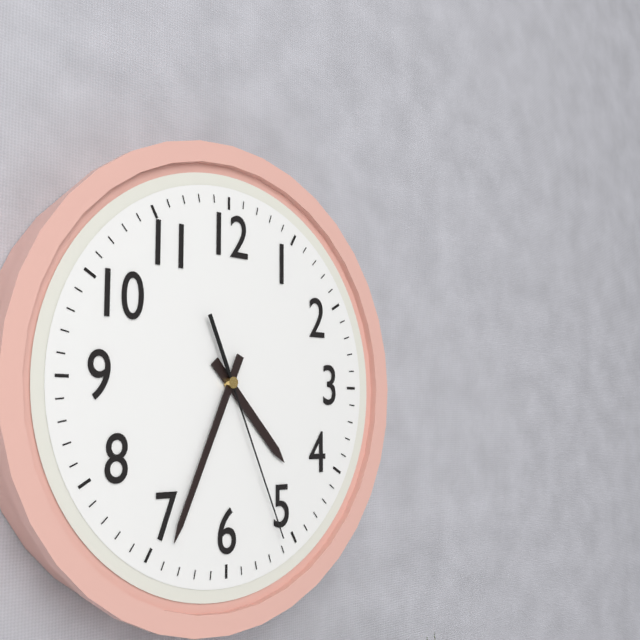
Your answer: 4,34,26
